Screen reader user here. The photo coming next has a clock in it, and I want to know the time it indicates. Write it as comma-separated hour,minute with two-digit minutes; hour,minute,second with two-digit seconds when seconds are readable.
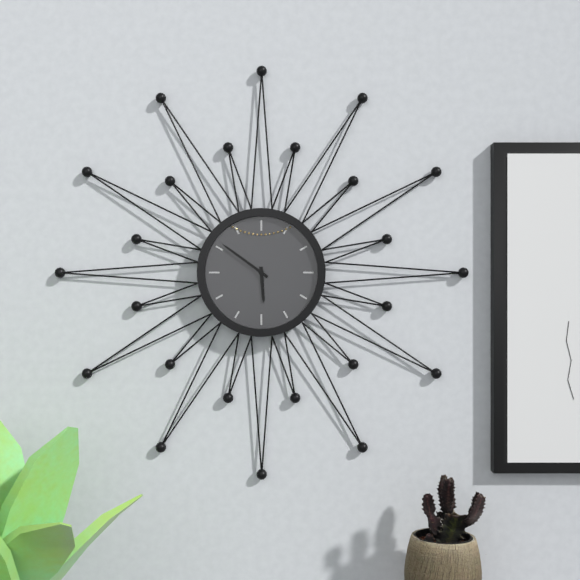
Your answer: 5,51
